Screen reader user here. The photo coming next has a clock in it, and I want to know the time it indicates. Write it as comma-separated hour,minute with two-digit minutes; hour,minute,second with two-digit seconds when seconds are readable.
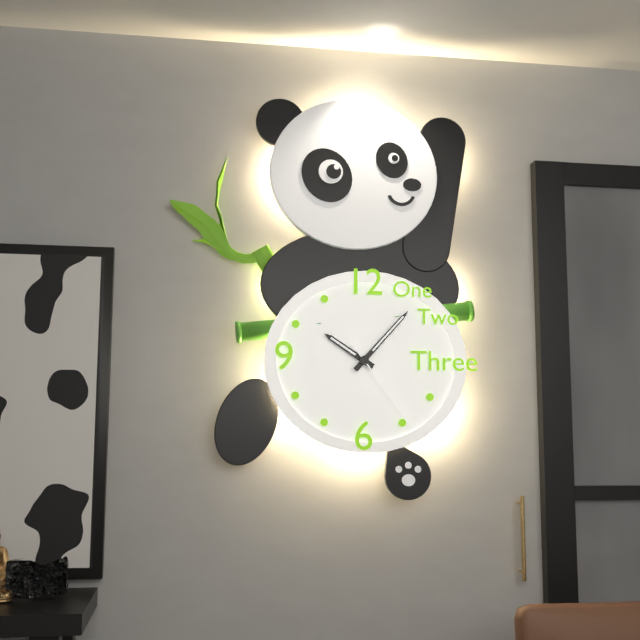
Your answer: 10,07,24
